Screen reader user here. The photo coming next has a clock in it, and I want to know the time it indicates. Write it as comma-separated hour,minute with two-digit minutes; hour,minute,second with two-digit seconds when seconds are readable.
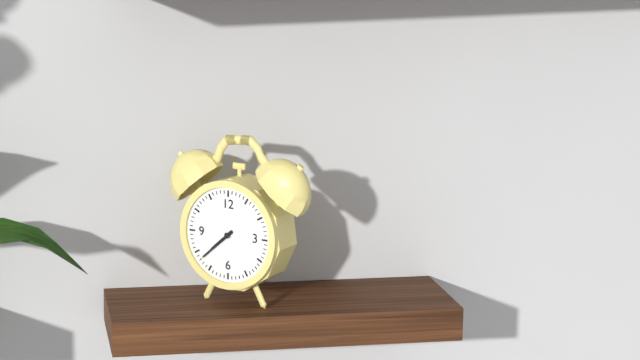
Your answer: 7,38
